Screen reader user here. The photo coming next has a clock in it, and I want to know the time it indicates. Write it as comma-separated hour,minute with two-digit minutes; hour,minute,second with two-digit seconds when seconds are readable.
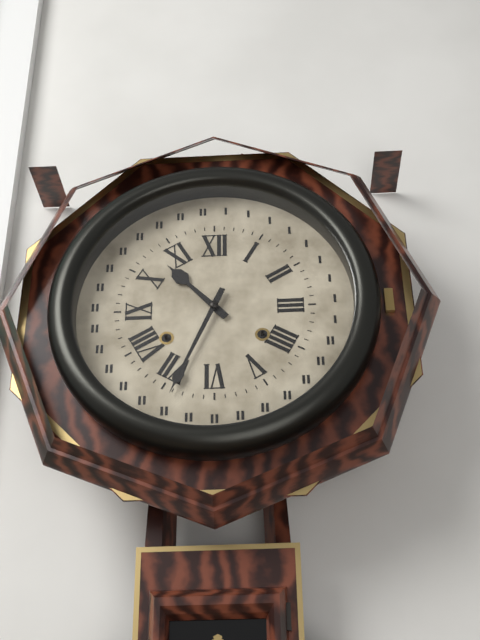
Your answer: 10,34
